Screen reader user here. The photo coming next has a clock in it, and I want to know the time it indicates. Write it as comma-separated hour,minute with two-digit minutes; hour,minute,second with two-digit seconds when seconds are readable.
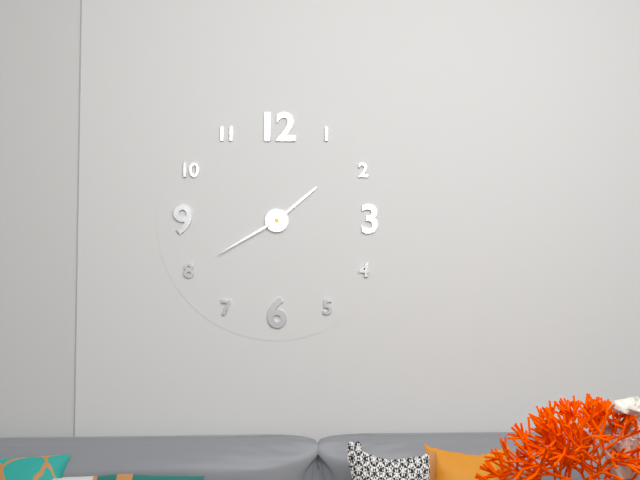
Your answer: 1,40
